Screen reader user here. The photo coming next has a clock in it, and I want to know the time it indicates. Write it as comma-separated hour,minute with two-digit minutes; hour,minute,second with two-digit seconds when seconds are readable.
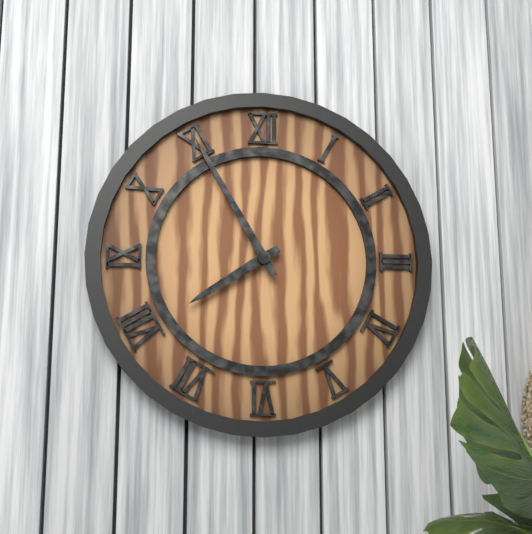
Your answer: 7,55
